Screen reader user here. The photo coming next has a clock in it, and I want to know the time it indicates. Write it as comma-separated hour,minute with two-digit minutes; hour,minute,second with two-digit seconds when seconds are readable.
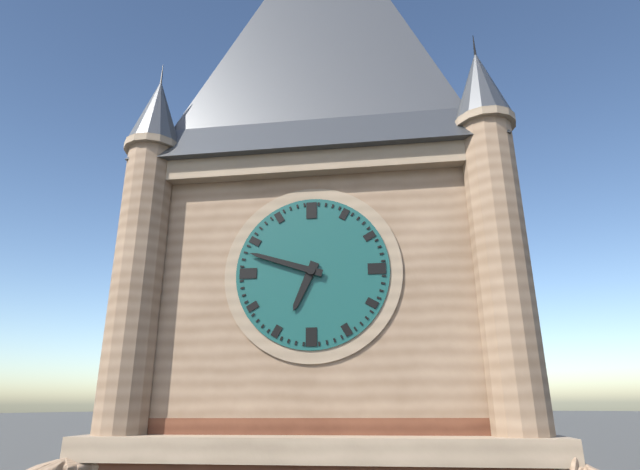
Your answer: 6,48
